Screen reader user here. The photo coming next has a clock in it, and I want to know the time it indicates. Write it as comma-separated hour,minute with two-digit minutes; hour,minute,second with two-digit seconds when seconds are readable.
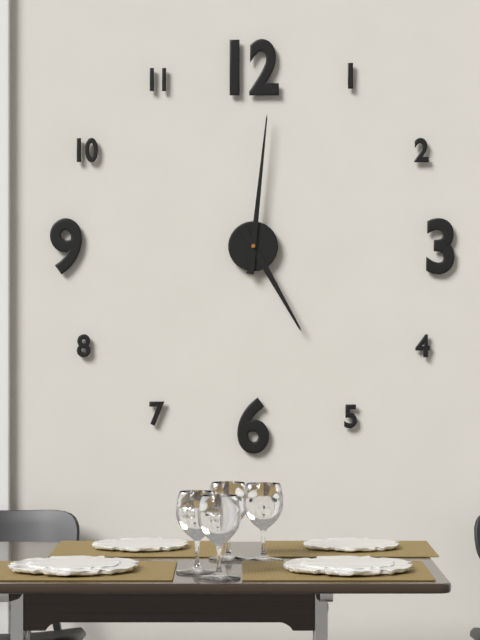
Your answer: 5,01
